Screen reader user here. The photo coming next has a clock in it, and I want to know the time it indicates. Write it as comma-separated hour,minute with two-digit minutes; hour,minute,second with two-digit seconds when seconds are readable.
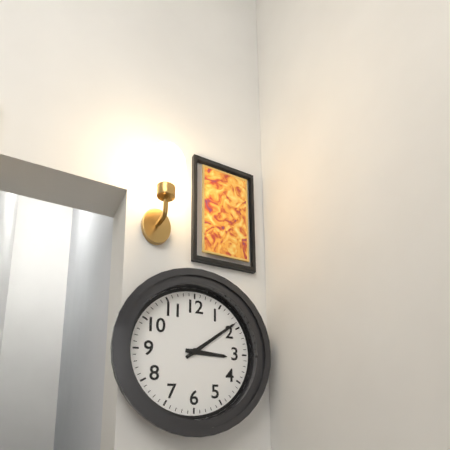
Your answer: 3,09
